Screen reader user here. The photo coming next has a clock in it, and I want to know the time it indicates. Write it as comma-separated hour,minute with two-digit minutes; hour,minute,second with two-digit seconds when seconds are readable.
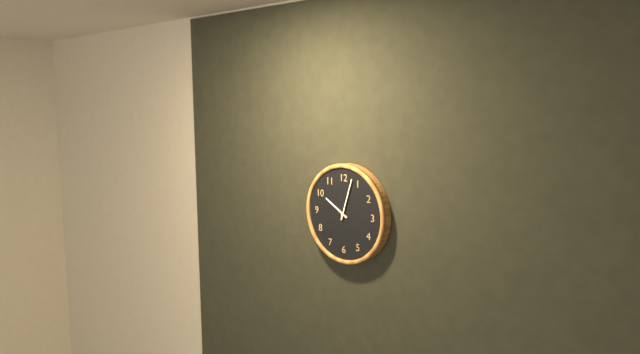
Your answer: 10,03
